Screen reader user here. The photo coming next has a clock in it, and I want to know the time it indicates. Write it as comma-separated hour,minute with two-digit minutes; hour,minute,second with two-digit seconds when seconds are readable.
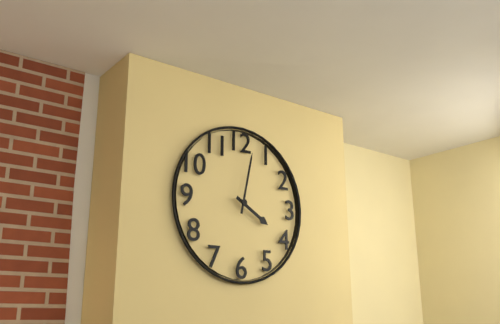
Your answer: 4,02
